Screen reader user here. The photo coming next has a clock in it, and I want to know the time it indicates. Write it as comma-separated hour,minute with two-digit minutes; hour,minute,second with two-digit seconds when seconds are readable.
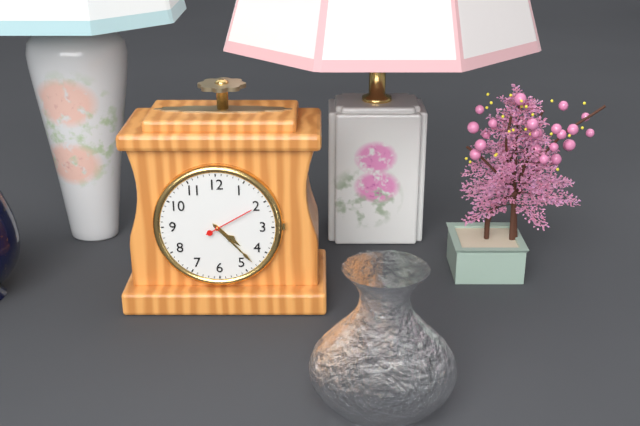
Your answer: 4,23
